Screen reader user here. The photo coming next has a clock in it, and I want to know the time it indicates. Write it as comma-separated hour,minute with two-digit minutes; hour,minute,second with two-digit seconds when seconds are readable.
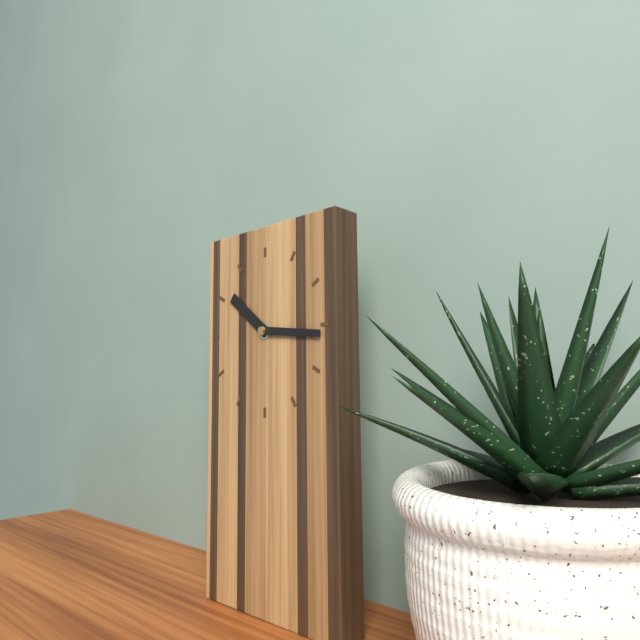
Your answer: 10,16
